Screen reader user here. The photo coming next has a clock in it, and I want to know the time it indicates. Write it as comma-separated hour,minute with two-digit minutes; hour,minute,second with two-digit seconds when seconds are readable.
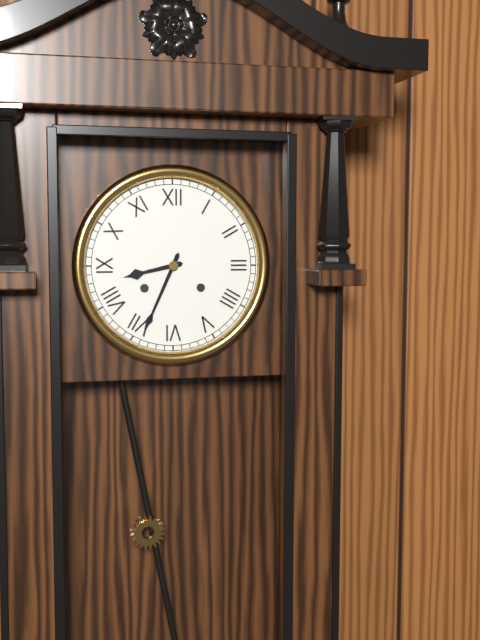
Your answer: 8,34
